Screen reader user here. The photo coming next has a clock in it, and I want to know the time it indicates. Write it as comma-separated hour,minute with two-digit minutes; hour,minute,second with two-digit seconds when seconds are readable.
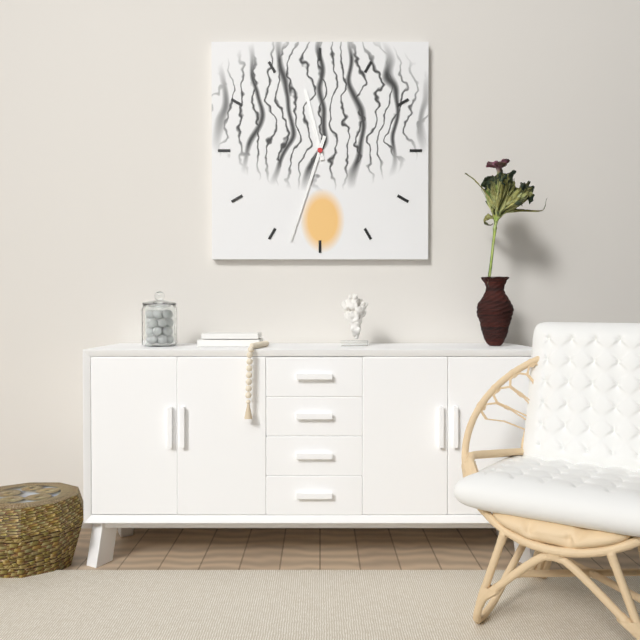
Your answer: 11,33
